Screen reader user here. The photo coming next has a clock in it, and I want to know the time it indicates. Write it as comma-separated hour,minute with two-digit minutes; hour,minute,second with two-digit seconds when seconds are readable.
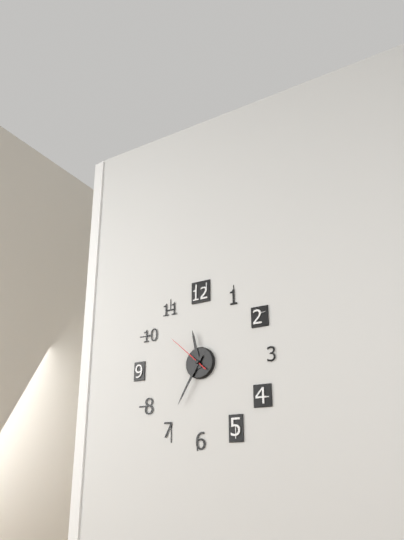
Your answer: 11,35
